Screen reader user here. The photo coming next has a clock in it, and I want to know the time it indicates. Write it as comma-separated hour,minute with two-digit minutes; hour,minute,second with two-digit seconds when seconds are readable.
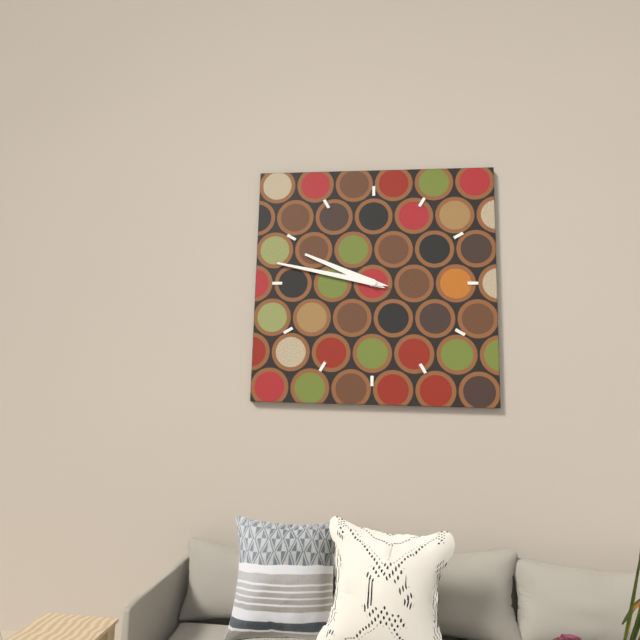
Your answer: 9,47
